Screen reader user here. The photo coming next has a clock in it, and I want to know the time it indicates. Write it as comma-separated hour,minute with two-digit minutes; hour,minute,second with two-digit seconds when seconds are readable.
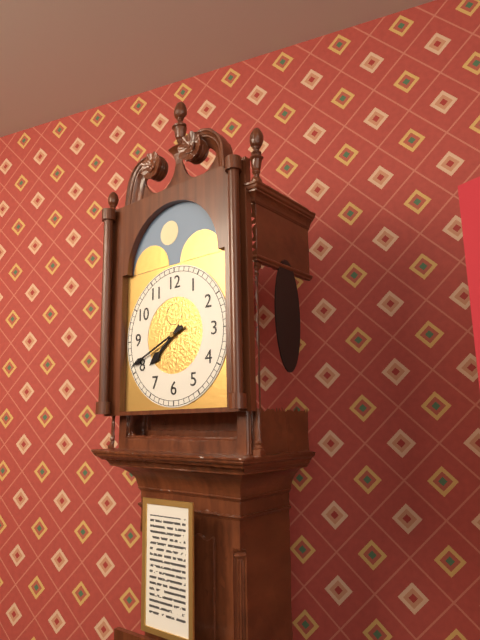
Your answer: 7,41
